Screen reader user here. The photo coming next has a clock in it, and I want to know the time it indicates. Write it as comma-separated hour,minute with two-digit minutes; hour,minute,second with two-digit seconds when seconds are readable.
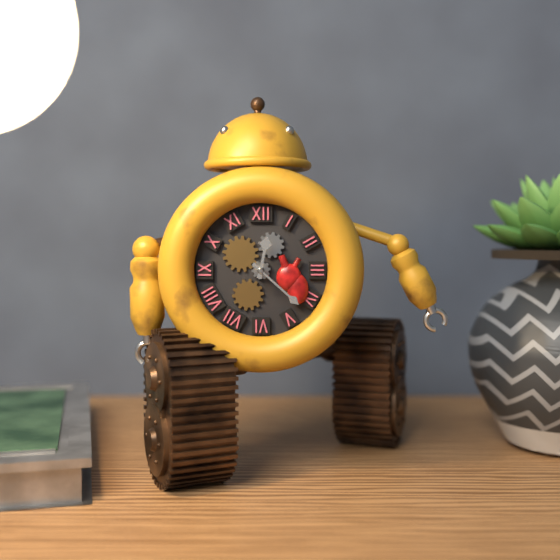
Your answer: 12,22
